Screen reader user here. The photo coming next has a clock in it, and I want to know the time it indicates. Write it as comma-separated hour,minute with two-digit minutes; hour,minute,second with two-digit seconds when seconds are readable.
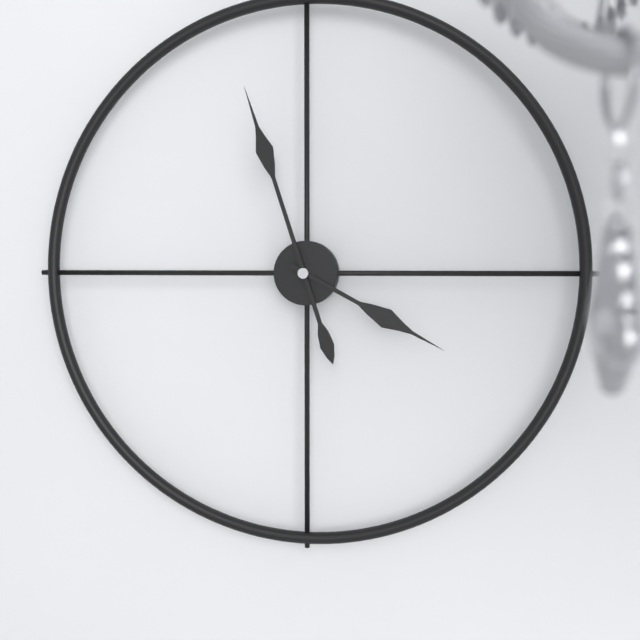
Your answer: 3,57
